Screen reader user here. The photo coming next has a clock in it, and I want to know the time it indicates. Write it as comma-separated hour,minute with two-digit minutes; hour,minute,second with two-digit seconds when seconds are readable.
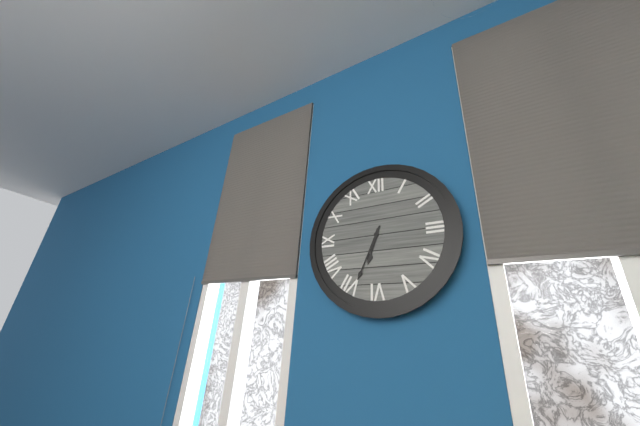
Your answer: 6,34
